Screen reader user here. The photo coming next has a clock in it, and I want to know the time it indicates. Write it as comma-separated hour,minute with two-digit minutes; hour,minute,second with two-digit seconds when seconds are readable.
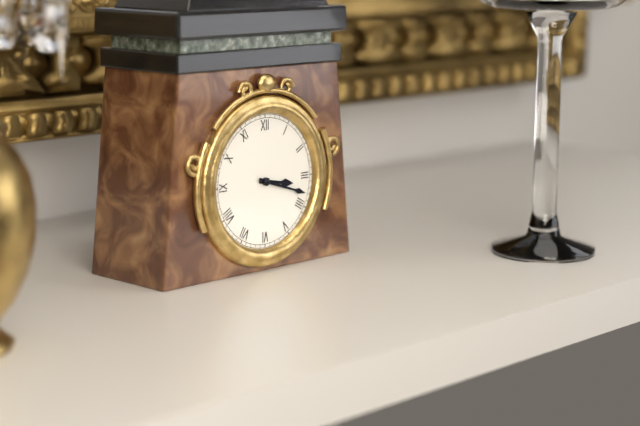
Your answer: 3,18
